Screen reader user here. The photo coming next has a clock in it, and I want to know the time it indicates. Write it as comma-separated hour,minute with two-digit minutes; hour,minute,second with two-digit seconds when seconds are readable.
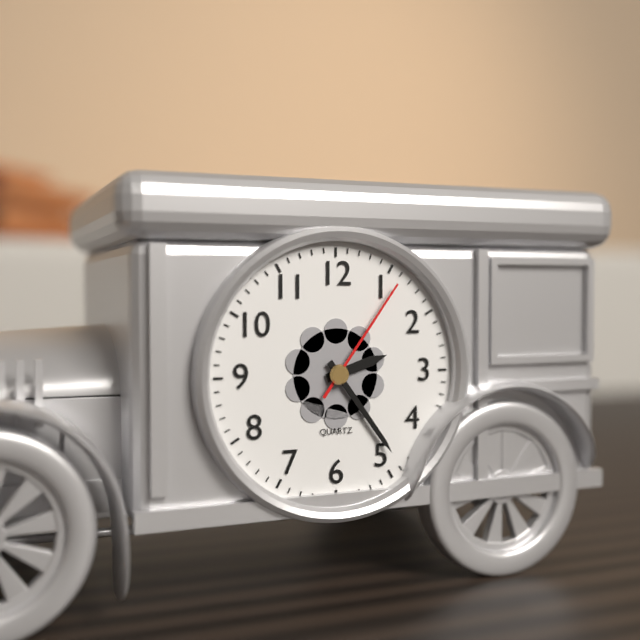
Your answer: 2,24,06
